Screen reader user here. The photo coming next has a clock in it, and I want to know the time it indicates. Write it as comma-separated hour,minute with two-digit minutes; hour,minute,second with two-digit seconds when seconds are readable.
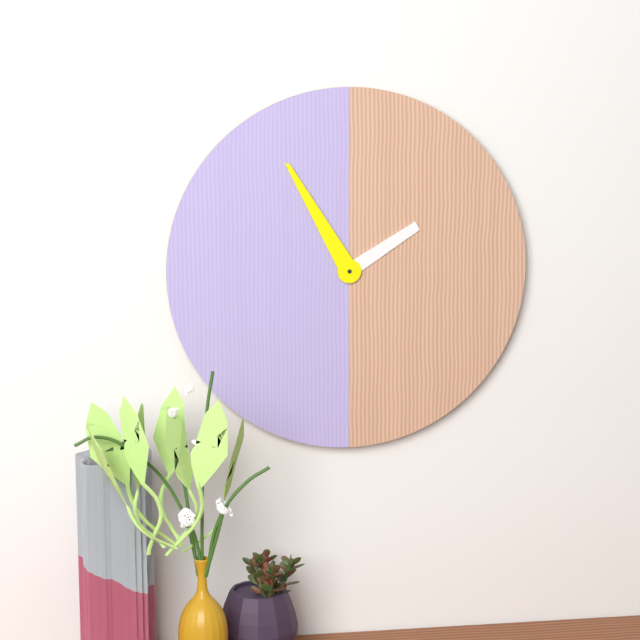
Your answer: 1,55
